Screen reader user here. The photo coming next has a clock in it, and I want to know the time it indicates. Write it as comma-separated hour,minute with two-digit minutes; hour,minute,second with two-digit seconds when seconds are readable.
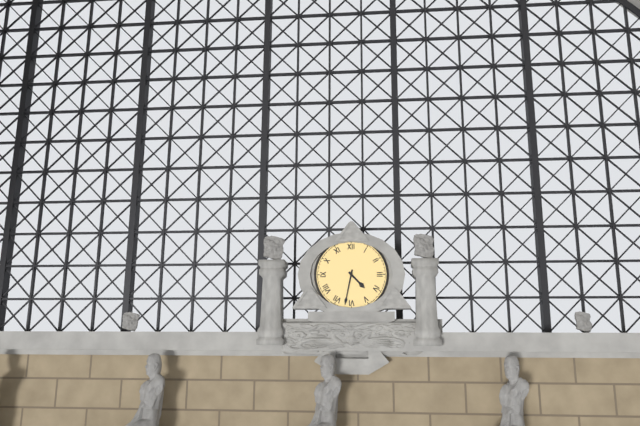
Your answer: 4,32
